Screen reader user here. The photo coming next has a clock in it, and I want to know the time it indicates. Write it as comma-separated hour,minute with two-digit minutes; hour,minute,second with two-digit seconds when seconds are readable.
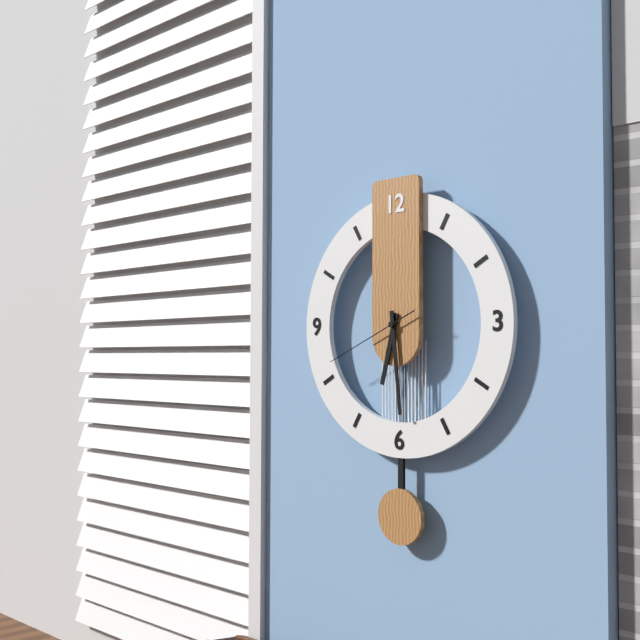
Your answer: 6,29,41
